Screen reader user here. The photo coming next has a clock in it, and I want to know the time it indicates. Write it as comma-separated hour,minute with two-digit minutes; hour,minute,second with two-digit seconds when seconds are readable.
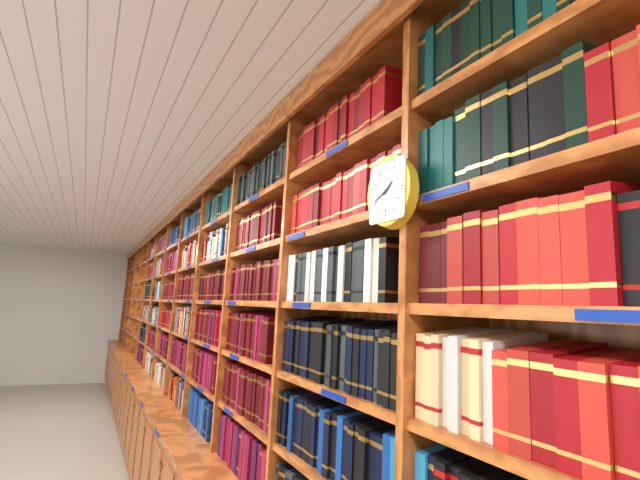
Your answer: 1,41
